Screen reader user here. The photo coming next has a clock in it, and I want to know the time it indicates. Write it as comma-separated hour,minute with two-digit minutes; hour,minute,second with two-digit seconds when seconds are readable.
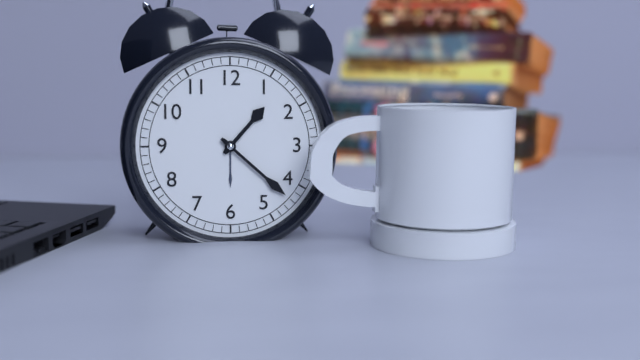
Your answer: 1,22
